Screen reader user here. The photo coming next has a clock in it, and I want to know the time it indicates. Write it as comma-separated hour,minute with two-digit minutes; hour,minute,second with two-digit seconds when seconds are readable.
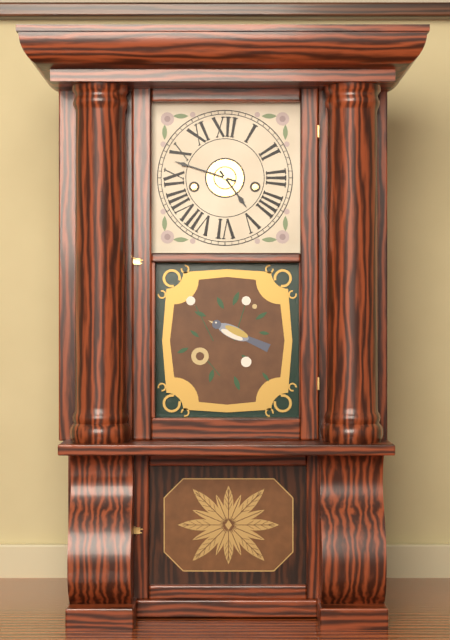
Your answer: 4,48
